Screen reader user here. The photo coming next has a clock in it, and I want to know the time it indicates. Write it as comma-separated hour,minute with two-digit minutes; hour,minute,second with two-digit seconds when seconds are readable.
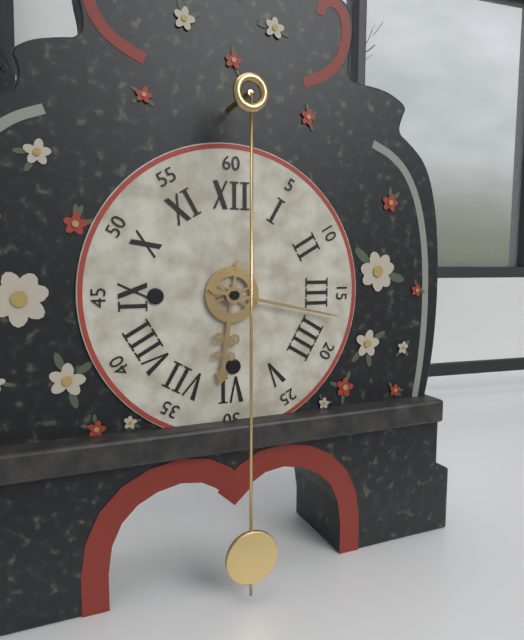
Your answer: 6,17
